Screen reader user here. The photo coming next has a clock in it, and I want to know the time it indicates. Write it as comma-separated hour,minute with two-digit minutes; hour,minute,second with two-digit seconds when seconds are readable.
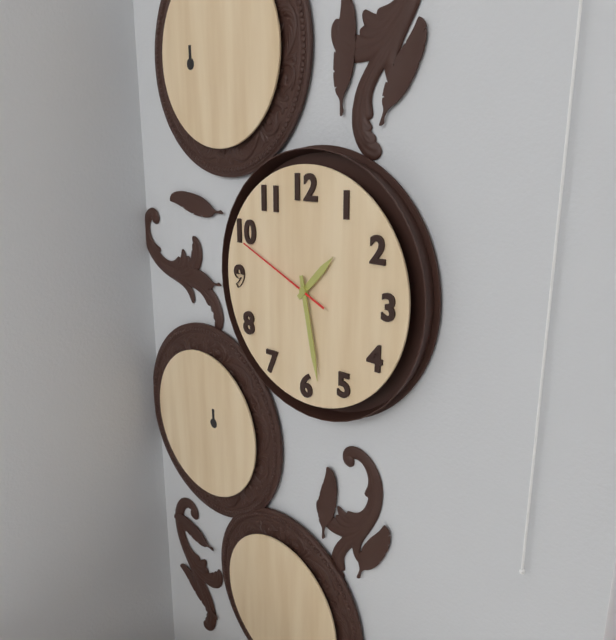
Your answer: 1,28,49
